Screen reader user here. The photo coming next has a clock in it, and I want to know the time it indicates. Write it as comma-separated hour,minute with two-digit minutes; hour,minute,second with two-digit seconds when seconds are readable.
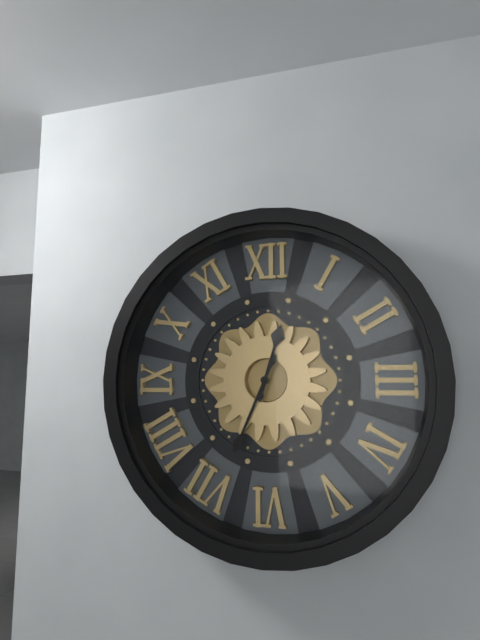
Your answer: 12,34
